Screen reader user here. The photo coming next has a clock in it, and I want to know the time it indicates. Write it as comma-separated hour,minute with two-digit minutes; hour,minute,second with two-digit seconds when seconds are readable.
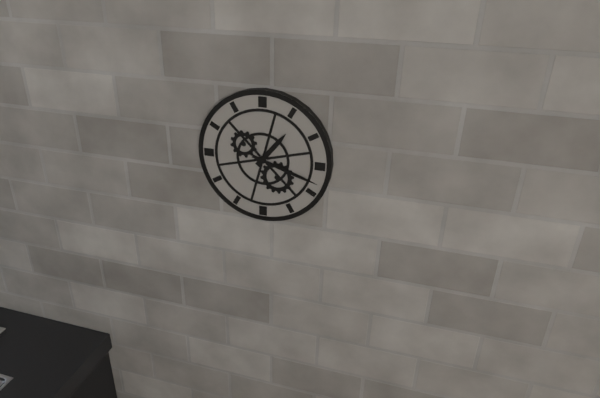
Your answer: 1,18
